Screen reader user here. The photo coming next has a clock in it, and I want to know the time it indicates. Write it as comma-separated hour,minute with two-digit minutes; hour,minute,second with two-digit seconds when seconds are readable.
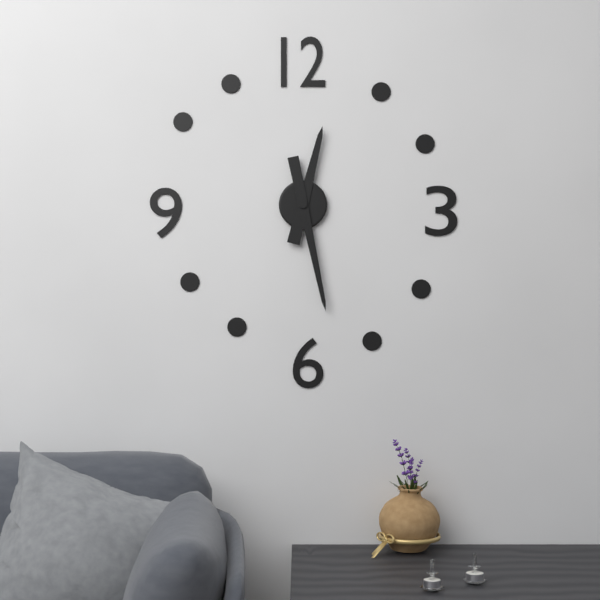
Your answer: 12,28
